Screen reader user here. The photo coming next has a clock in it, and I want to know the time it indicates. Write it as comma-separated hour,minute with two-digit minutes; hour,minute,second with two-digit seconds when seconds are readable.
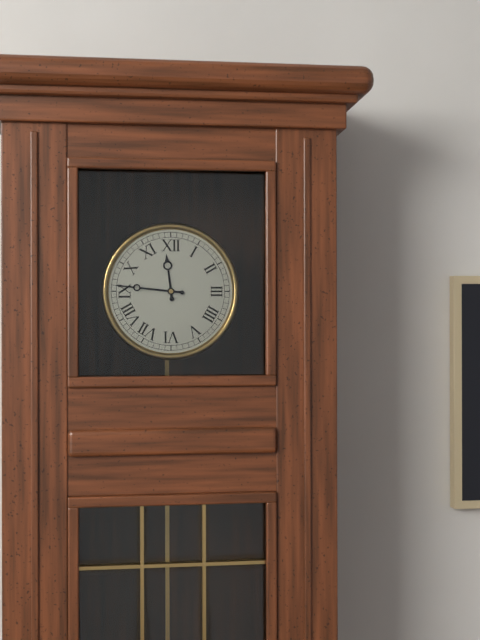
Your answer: 11,46
